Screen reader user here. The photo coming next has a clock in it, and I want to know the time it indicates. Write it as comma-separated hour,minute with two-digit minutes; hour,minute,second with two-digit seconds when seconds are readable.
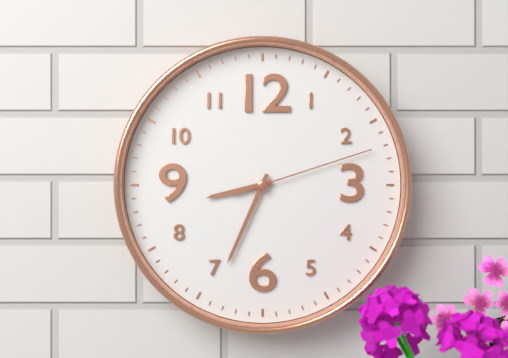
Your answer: 8,34,12
